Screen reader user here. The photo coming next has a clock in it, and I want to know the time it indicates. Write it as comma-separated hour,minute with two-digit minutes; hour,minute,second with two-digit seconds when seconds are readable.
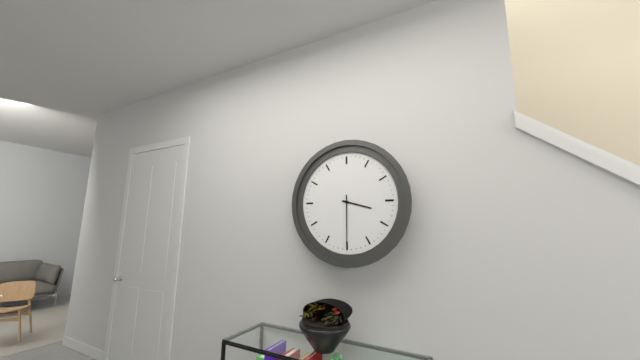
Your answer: 3,30
